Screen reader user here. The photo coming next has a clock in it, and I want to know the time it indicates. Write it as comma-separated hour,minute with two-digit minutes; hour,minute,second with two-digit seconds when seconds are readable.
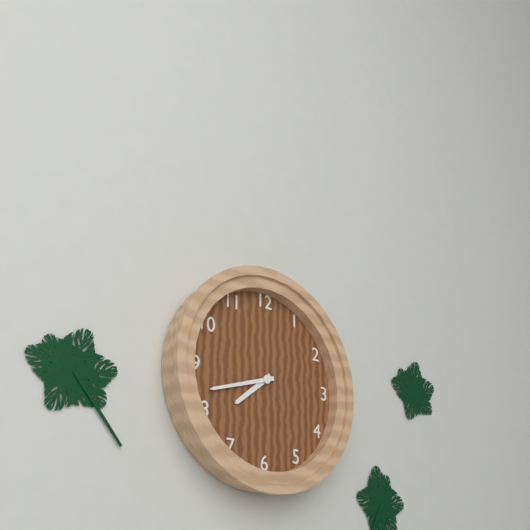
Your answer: 7,42
